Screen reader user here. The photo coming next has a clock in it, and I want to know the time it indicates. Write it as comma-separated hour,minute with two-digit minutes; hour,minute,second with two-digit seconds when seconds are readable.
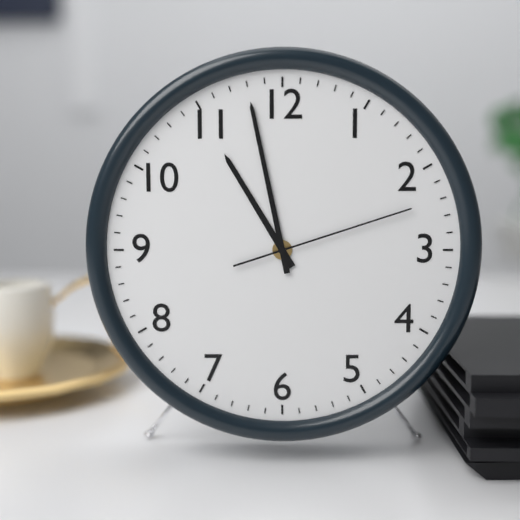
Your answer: 10,58,12
